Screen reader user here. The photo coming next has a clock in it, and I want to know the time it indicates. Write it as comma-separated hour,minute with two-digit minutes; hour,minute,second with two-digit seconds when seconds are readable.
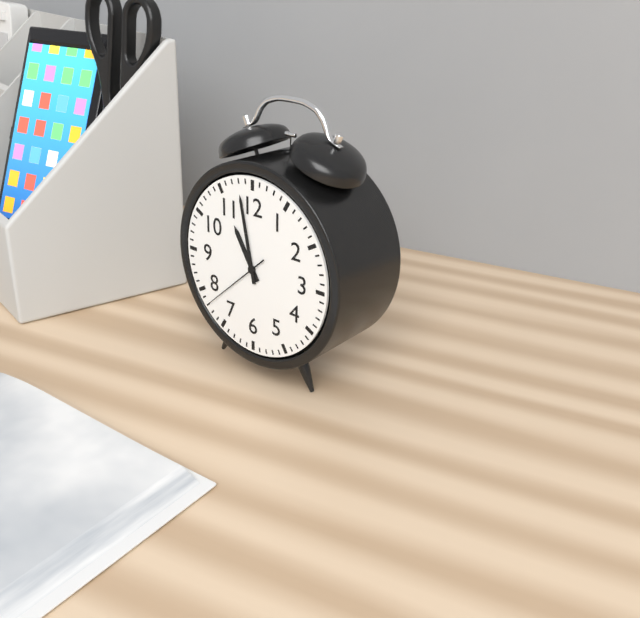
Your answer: 10,58,38
